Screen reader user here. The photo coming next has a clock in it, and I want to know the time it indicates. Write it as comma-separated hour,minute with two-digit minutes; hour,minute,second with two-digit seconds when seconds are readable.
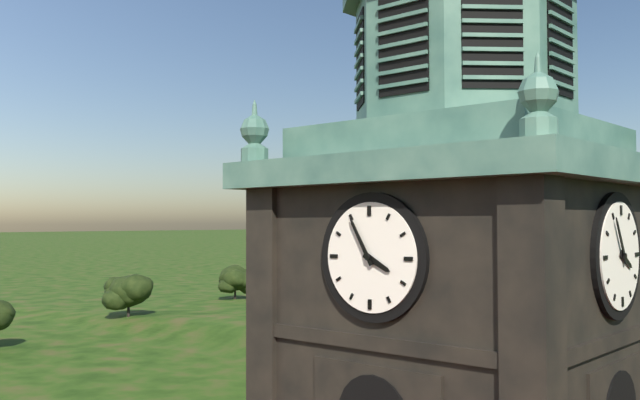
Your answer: 3,55
